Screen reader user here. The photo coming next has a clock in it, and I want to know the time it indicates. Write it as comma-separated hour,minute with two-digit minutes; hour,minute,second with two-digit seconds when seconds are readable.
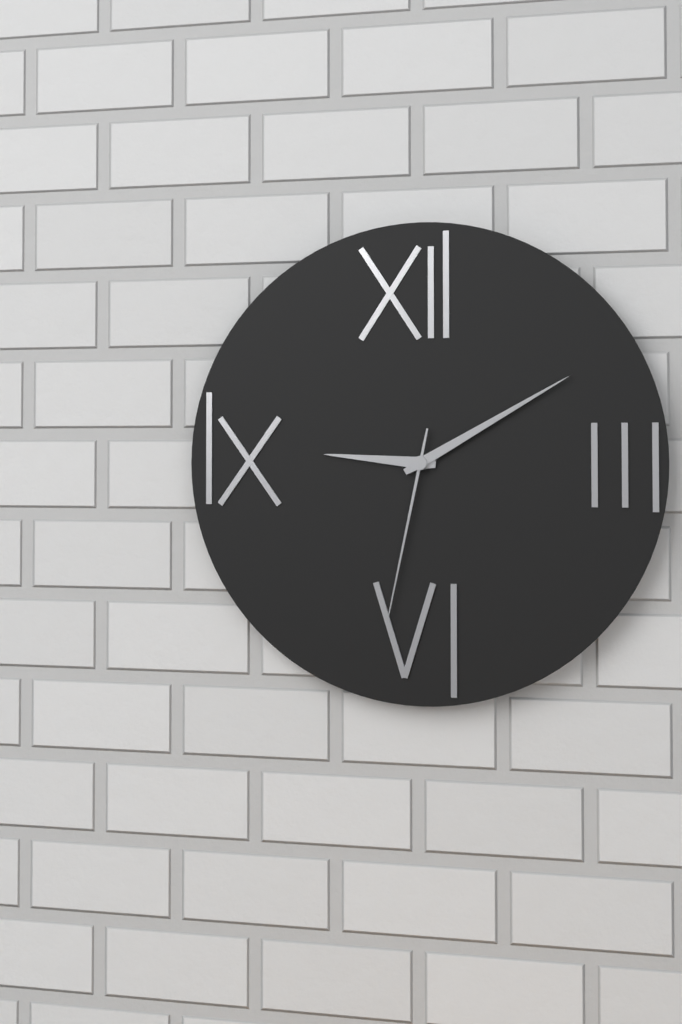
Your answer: 9,10,32
